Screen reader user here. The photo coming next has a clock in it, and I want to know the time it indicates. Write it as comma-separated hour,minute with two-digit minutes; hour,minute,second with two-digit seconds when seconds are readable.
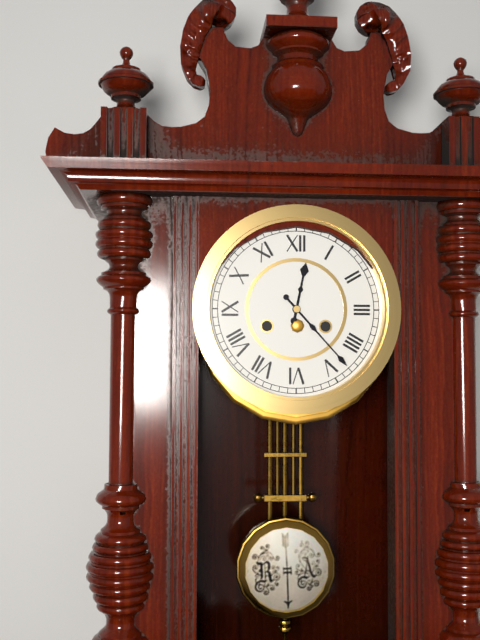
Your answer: 12,23
